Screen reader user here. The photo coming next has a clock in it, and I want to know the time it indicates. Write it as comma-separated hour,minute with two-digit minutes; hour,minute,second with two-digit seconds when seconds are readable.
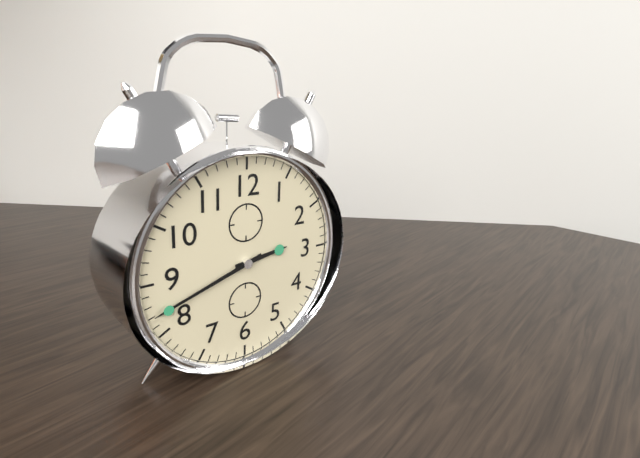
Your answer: 2,42
